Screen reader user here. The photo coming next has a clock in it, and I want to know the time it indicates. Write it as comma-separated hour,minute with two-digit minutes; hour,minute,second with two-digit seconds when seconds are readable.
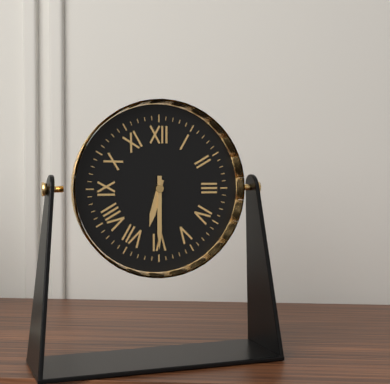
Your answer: 6,30
